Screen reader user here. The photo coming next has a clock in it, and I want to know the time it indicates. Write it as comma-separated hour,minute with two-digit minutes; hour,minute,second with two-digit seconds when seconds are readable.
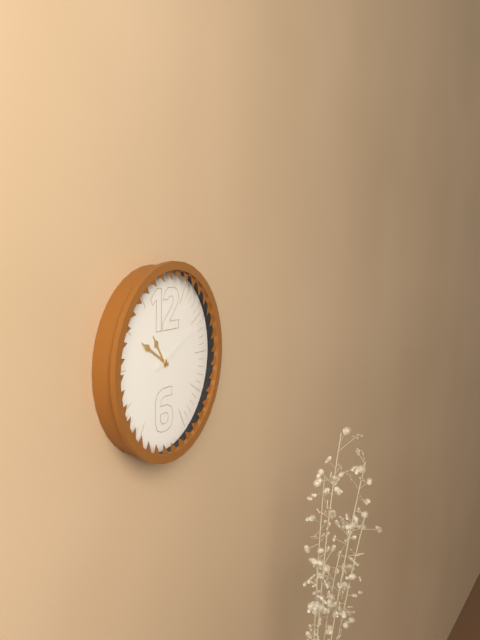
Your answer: 10,50,11
